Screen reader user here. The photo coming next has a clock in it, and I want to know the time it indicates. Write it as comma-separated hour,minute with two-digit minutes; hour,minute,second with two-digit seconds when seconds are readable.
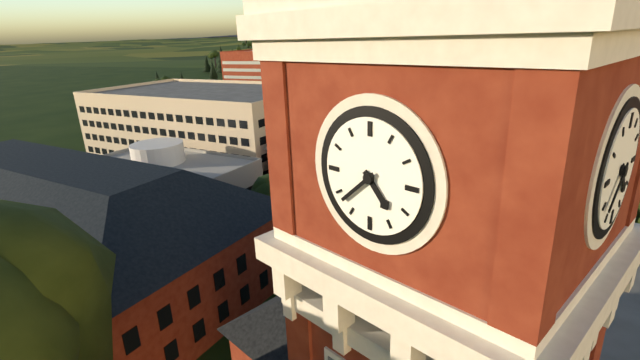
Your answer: 4,38
